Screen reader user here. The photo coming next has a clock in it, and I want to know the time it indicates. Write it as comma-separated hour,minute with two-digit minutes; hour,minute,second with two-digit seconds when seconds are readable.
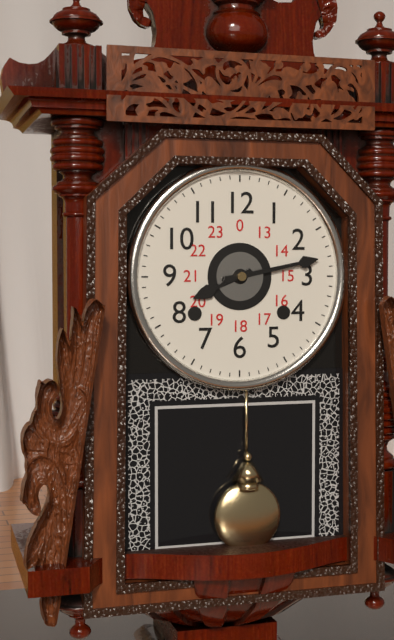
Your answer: 8,13
